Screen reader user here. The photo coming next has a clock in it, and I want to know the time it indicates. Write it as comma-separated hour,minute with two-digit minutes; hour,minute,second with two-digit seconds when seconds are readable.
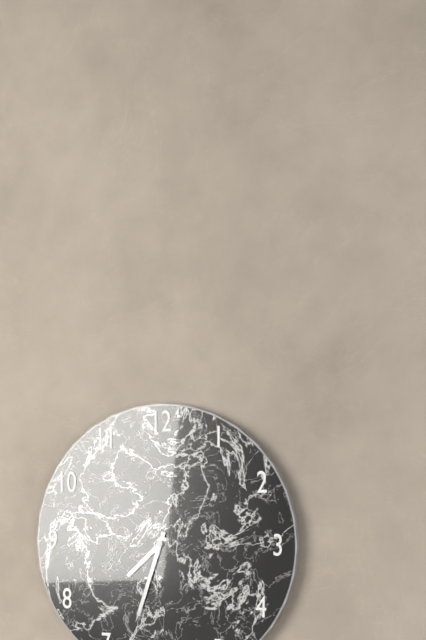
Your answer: 7,33
